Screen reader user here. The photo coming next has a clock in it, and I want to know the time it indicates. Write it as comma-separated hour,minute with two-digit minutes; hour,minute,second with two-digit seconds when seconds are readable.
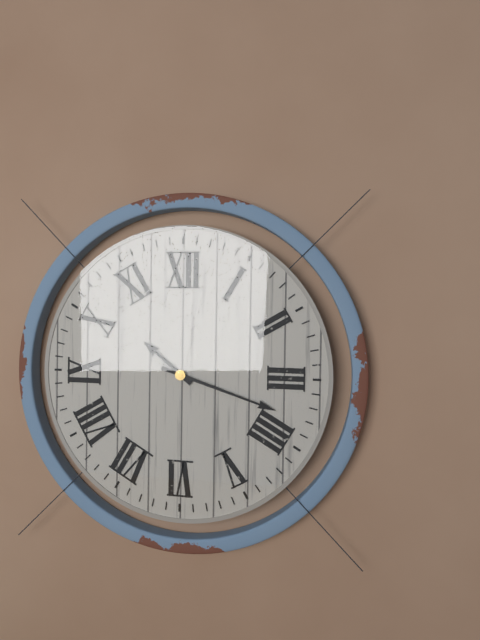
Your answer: 10,18
